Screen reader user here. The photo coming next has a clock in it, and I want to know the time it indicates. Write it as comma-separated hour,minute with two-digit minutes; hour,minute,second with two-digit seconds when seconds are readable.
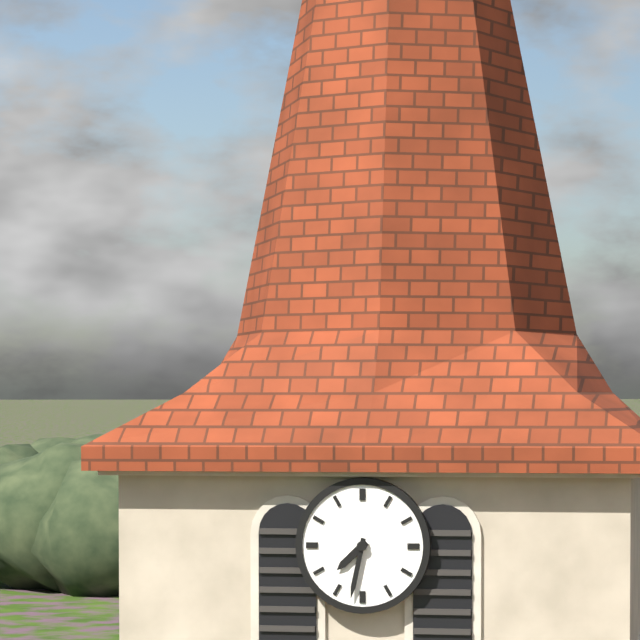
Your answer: 7,32
